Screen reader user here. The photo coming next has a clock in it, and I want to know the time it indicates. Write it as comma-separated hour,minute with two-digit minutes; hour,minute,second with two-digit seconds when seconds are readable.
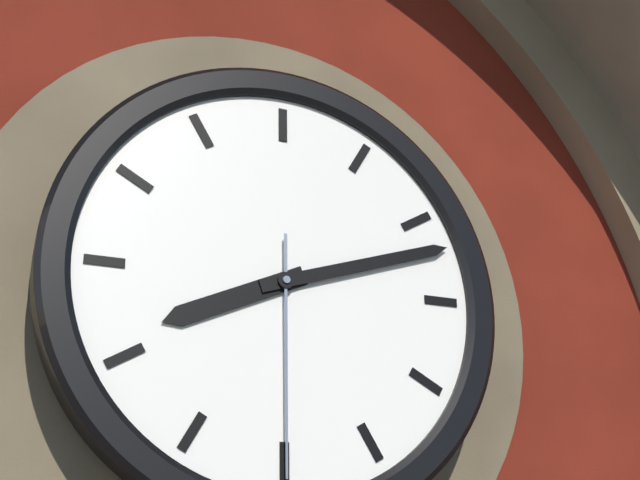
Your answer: 8,12,30
